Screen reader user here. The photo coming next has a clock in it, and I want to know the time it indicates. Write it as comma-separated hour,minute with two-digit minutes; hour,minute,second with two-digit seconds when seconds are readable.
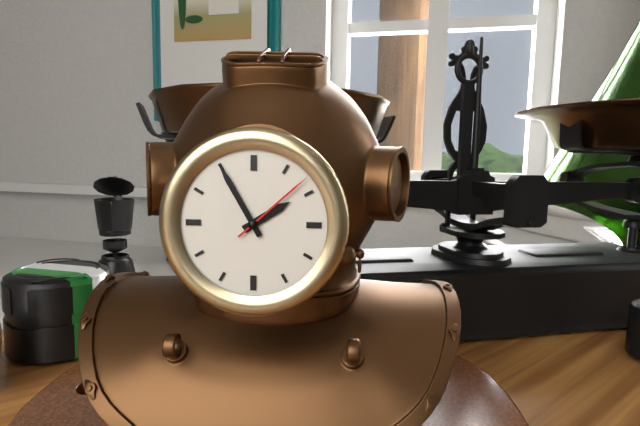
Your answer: 1,55,08
